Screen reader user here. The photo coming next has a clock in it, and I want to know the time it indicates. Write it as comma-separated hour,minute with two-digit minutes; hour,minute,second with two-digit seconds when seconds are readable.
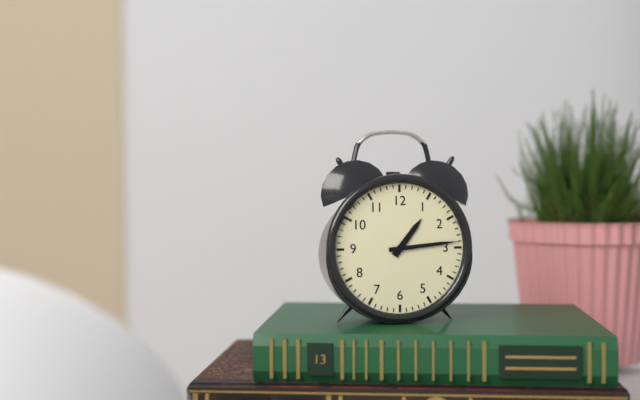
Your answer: 1,14
